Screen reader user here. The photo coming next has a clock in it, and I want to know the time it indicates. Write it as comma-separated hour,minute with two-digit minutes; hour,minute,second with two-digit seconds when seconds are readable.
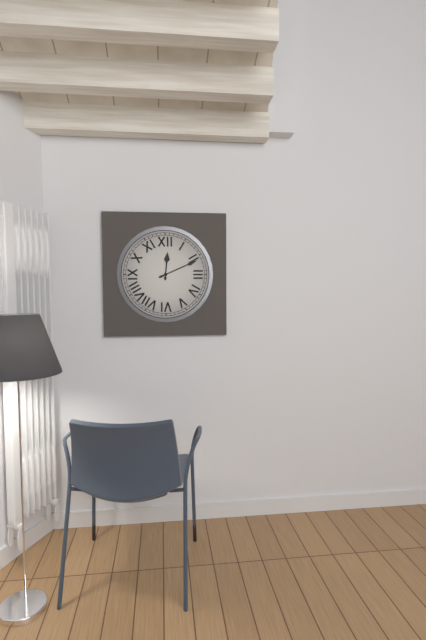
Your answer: 12,11
